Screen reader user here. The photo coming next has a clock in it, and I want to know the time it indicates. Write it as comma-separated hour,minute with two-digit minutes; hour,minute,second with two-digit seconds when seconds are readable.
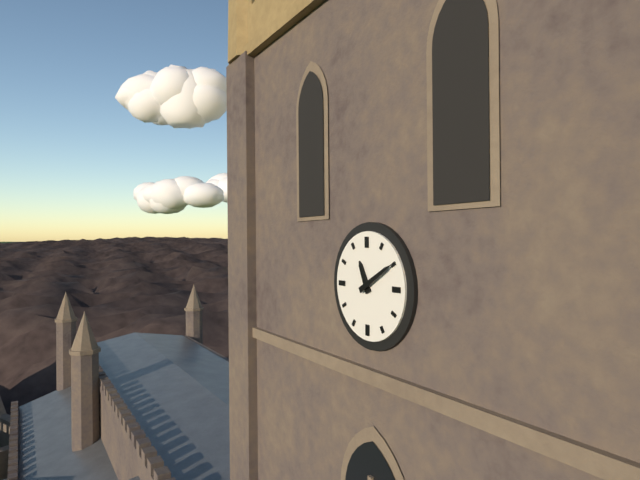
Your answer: 11,10
